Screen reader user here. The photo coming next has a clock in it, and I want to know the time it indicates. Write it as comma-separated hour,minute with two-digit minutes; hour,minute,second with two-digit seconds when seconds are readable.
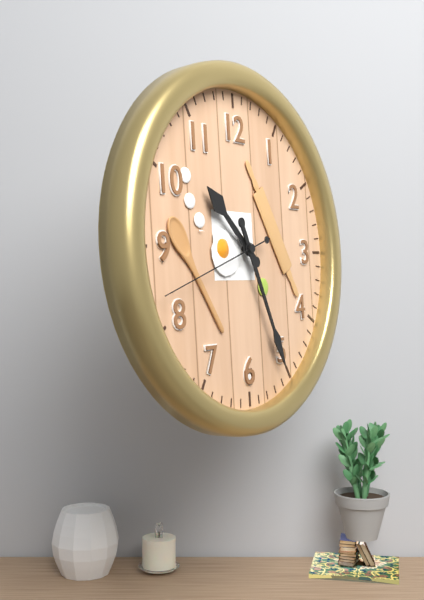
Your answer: 10,26,42
